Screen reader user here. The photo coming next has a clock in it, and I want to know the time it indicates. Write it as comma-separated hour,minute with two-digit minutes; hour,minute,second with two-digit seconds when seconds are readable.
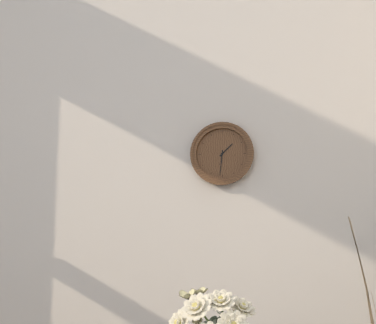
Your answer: 1,31
